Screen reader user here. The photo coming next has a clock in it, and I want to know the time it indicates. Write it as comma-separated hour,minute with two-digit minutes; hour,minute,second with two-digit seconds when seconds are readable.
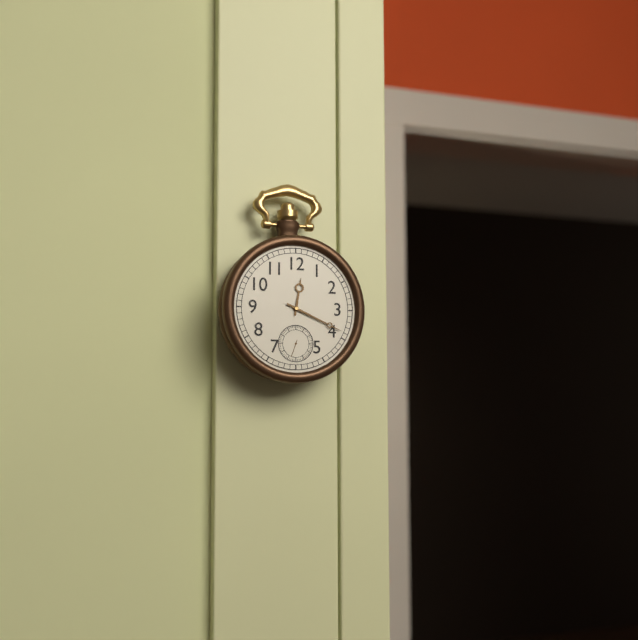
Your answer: 12,19
